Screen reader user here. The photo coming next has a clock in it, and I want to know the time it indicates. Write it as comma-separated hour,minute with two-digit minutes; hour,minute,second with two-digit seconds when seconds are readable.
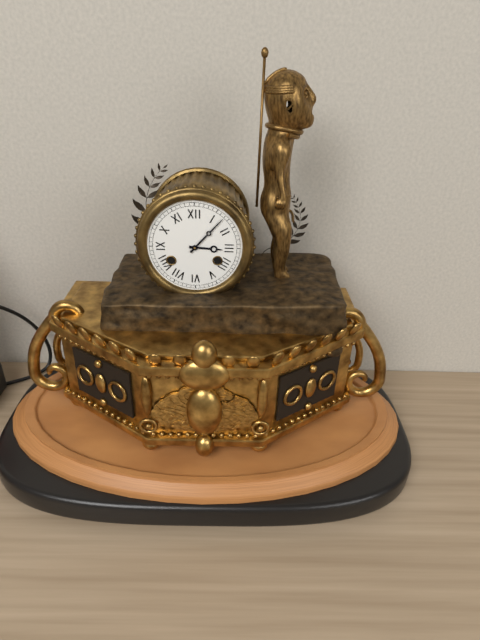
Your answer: 3,07
